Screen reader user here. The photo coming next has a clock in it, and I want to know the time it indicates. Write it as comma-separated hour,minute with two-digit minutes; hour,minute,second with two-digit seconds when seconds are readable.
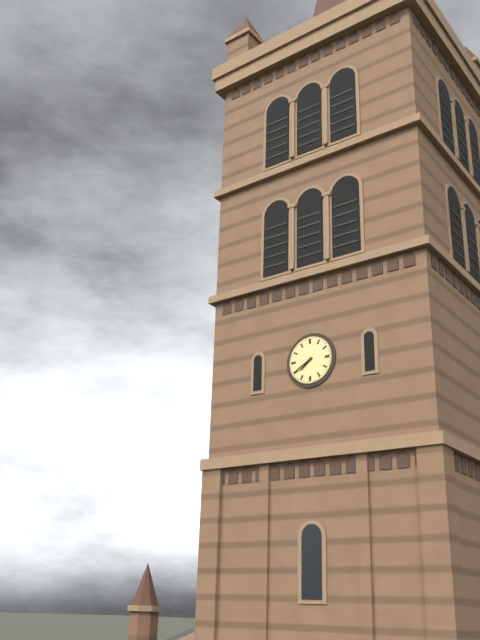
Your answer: 7,40
